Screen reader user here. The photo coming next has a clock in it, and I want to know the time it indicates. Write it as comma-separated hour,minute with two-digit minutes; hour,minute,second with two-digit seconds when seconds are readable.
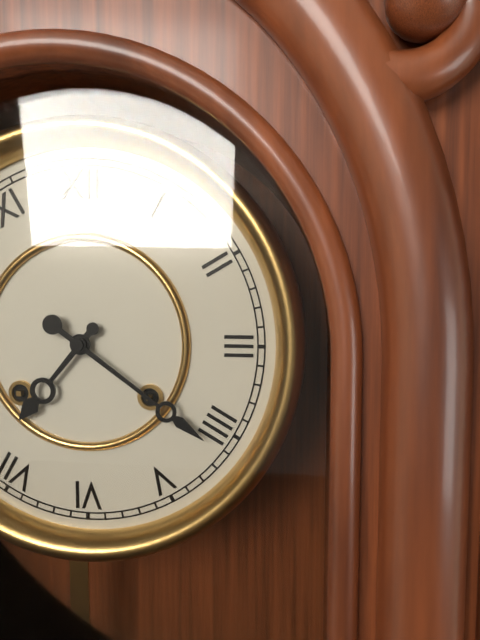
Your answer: 7,21
